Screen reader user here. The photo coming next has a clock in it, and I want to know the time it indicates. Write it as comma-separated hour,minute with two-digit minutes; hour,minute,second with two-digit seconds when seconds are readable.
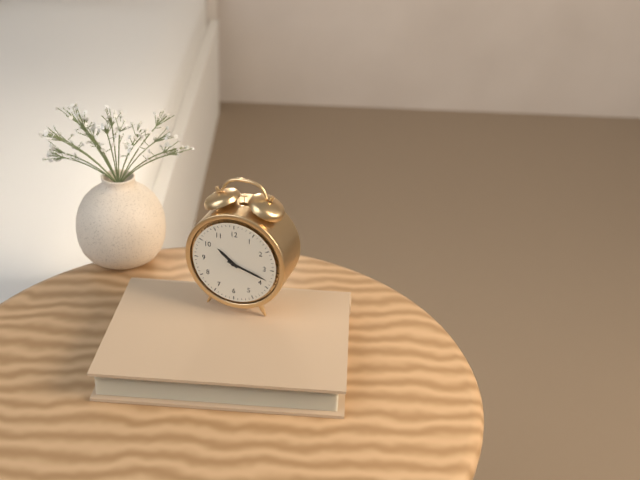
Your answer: 10,18
